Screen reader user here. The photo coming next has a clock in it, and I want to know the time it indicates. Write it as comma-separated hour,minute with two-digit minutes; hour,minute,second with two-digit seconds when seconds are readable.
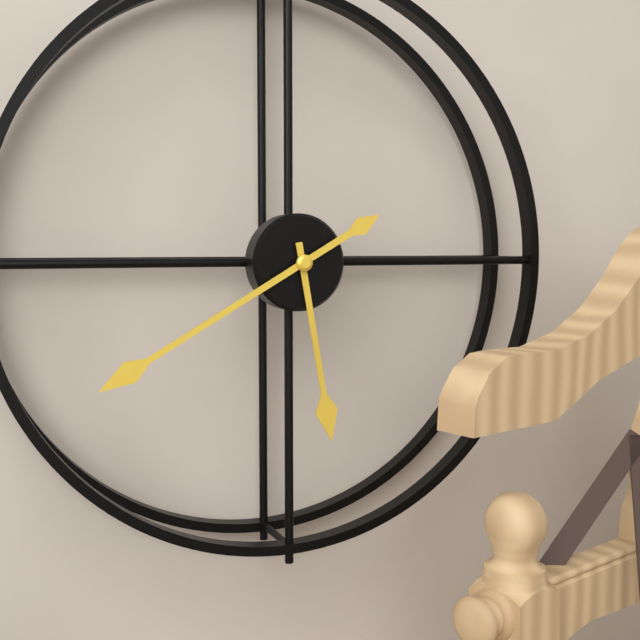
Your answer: 5,40
